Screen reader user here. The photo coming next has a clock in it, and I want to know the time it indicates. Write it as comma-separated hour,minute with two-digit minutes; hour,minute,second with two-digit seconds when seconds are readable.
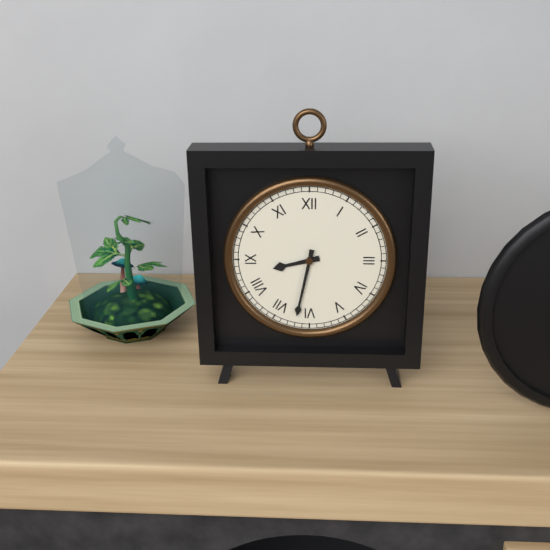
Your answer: 8,32
